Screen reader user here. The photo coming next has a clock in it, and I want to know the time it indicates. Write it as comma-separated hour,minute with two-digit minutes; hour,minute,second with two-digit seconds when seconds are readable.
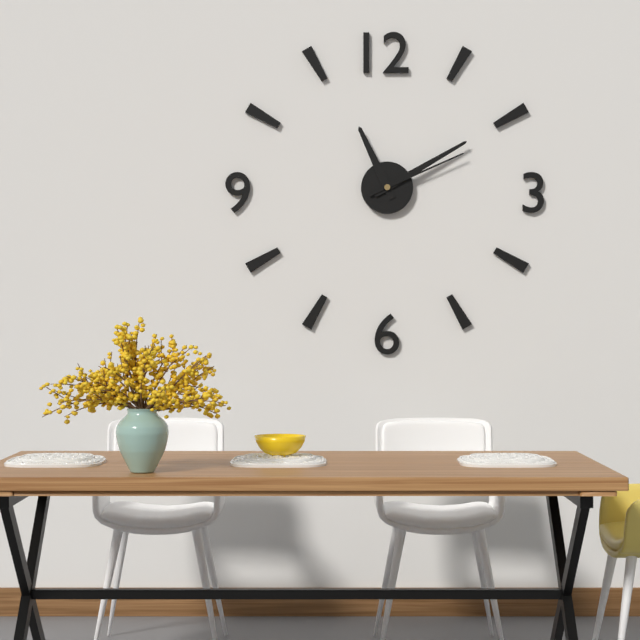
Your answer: 11,10,11
